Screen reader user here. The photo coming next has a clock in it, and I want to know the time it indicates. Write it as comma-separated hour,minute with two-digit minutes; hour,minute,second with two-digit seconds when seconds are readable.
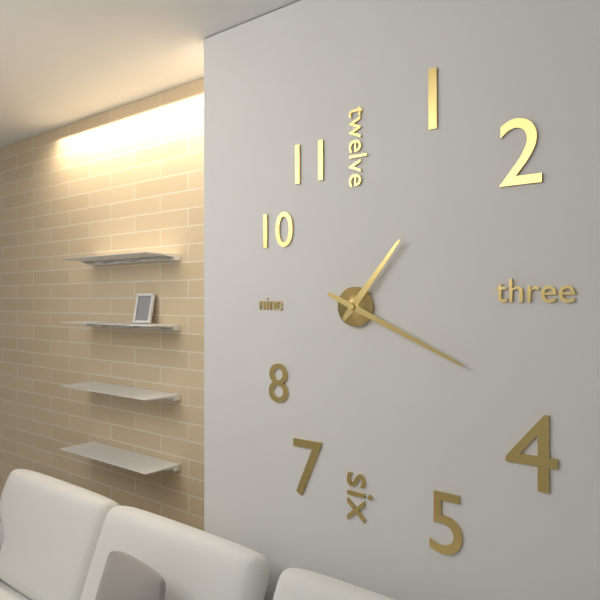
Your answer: 1,19
